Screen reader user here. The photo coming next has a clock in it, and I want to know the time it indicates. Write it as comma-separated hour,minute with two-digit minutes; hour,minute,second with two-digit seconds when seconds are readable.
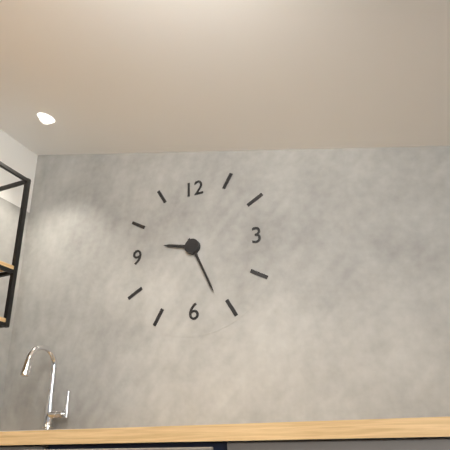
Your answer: 9,26
